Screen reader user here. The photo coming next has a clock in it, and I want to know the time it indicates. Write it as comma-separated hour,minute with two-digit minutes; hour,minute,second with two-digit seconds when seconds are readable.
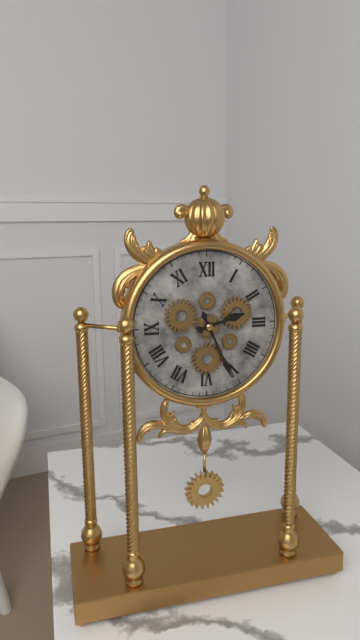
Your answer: 2,26
